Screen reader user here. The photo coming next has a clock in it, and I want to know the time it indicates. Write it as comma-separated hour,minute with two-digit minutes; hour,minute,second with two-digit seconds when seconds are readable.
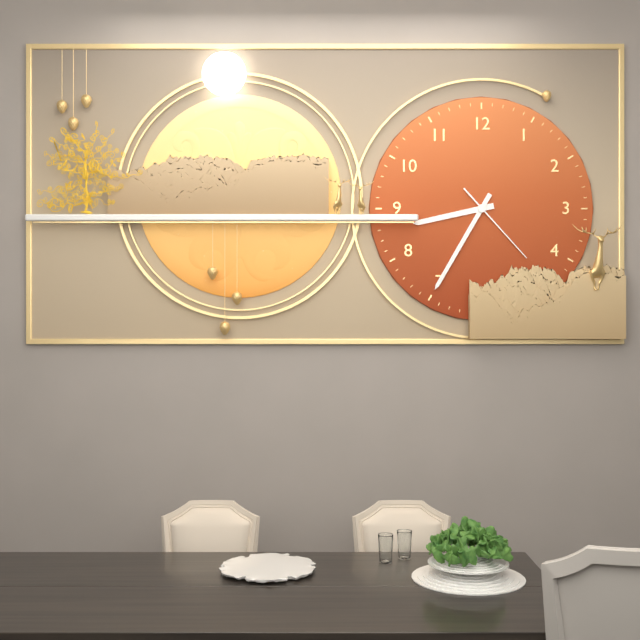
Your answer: 8,35,23
